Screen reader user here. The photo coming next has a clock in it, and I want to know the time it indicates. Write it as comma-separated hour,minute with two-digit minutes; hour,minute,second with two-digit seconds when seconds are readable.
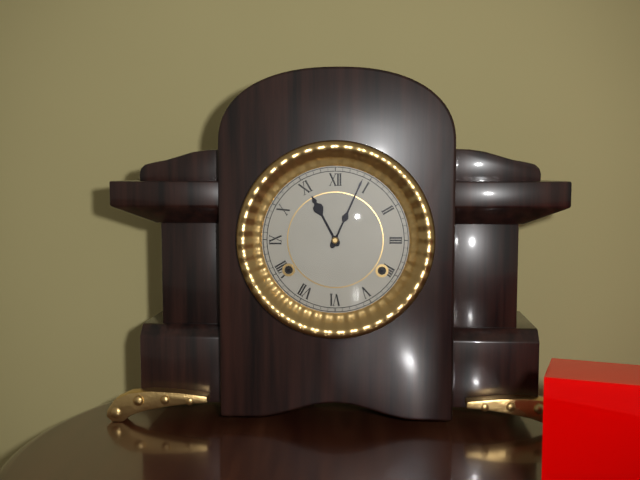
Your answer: 11,04
